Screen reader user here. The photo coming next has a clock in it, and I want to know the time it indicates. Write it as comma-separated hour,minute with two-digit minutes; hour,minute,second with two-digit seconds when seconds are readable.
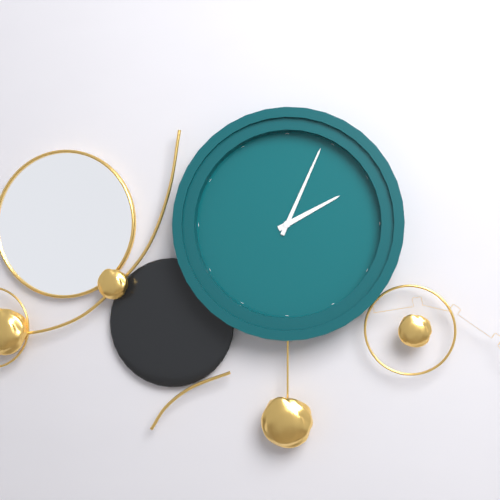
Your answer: 2,04
